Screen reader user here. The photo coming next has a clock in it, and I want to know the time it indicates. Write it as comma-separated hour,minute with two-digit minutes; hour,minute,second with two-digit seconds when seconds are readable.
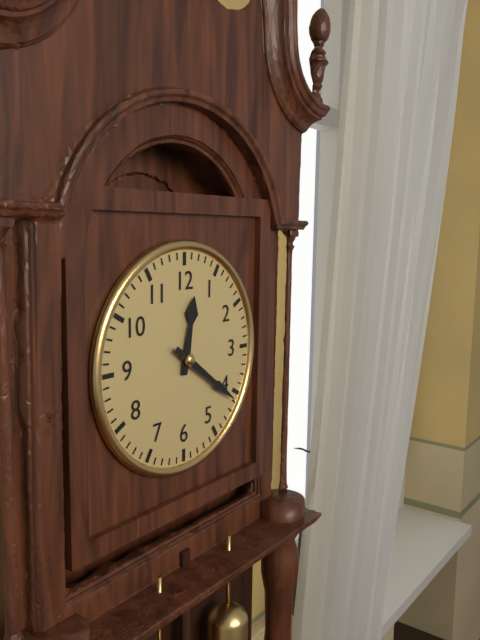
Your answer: 12,21
